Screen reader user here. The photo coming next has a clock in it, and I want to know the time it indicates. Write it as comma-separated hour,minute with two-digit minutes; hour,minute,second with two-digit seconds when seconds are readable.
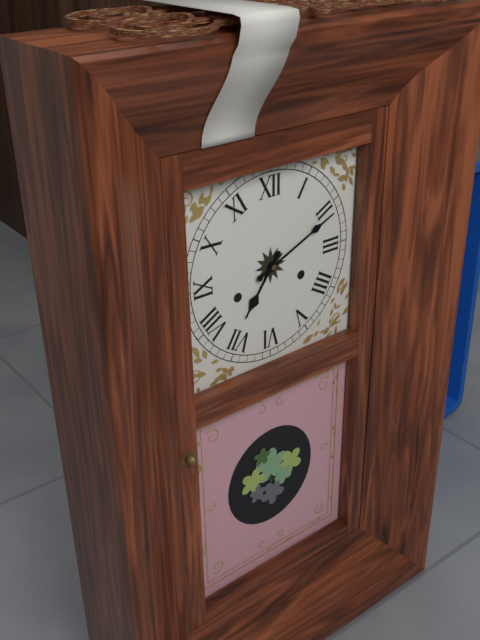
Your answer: 7,11
